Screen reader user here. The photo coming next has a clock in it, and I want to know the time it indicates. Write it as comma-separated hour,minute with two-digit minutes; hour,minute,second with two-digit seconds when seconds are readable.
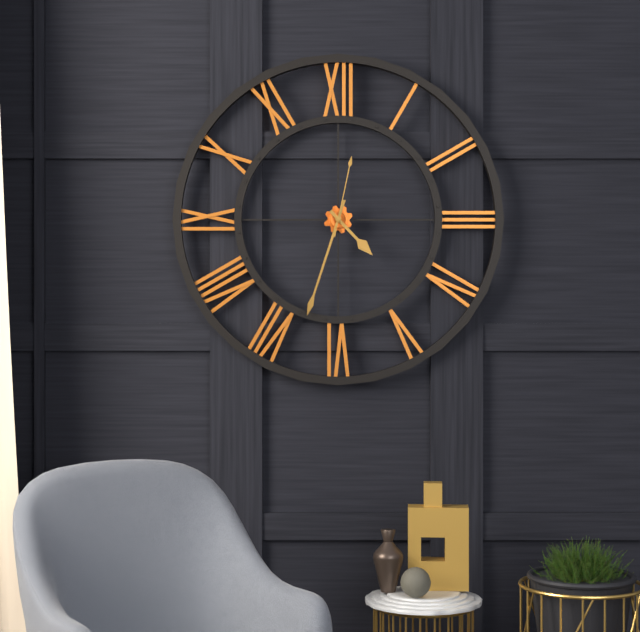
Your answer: 4,33,02
